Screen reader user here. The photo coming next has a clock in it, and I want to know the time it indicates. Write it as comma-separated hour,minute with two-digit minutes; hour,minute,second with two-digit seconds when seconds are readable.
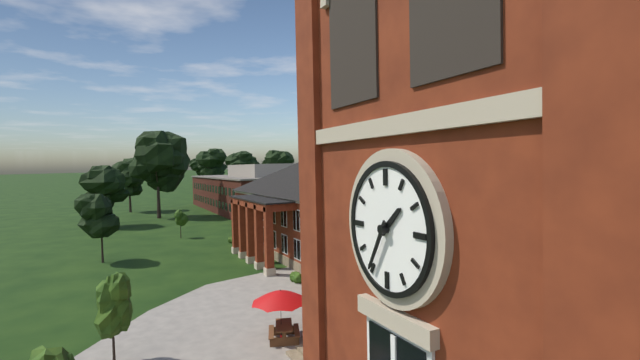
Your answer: 1,35
